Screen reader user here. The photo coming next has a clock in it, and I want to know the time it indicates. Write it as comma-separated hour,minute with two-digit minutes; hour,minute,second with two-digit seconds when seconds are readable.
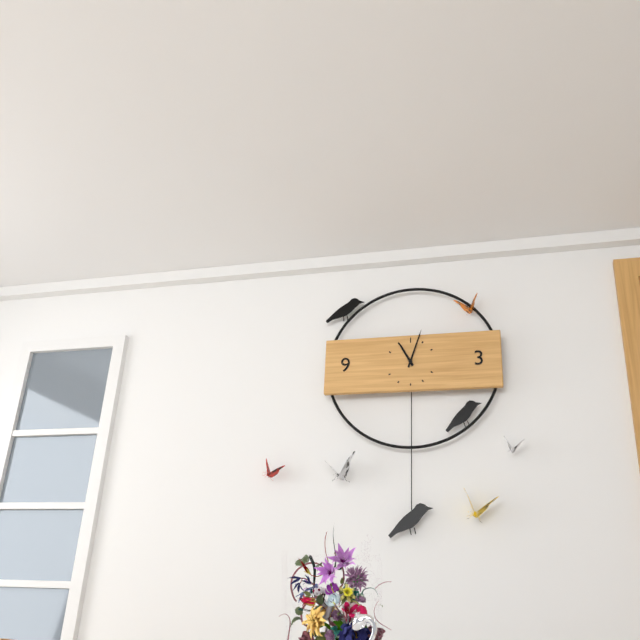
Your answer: 11,03
